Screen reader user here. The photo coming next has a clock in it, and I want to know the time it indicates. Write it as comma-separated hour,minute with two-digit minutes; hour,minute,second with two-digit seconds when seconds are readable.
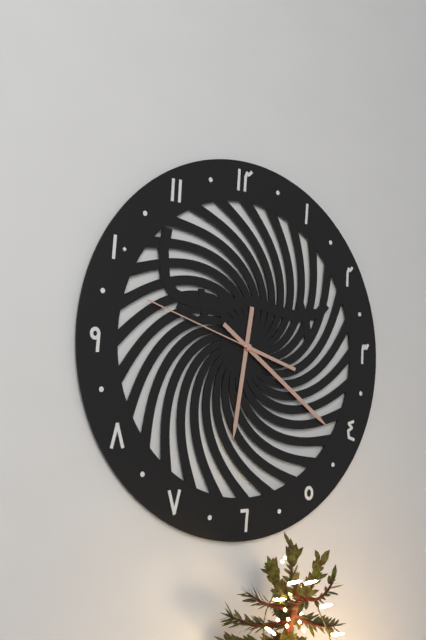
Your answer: 6,21,48
